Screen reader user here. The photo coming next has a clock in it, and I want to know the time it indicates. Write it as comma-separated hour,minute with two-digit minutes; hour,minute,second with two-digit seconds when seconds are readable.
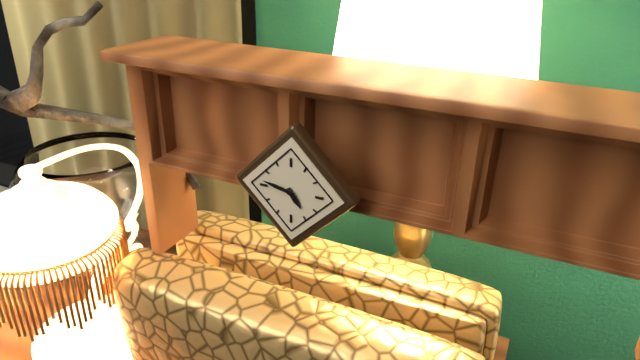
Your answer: 4,47
